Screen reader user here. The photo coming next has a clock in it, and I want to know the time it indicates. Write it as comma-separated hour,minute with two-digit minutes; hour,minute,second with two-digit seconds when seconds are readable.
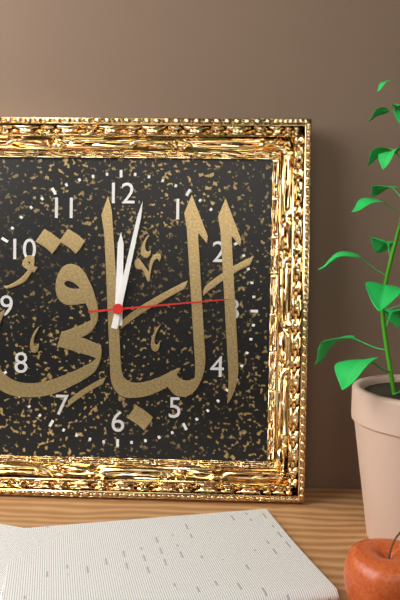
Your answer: 12,02,14
